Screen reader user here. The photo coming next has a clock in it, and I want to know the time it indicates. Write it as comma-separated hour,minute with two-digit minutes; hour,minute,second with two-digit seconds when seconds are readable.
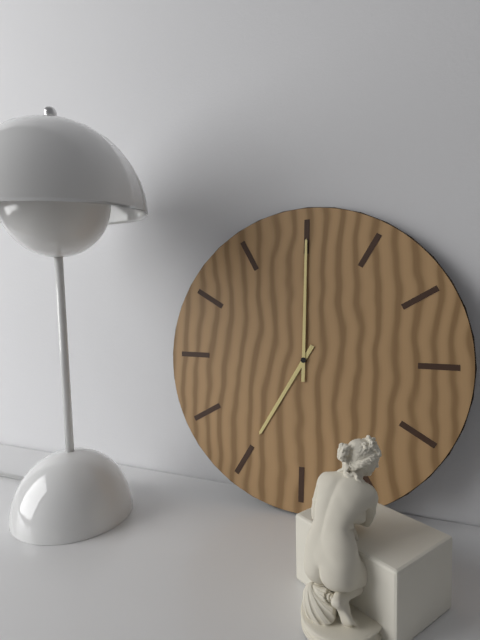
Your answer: 7,00
